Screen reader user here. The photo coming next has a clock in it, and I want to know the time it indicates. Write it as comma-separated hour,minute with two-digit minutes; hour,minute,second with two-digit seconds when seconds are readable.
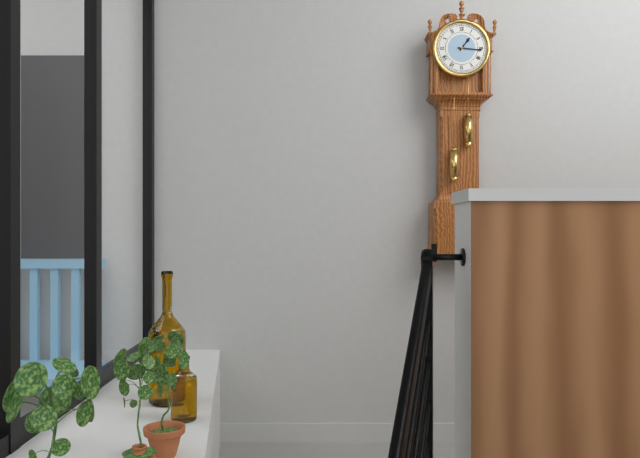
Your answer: 1,16
